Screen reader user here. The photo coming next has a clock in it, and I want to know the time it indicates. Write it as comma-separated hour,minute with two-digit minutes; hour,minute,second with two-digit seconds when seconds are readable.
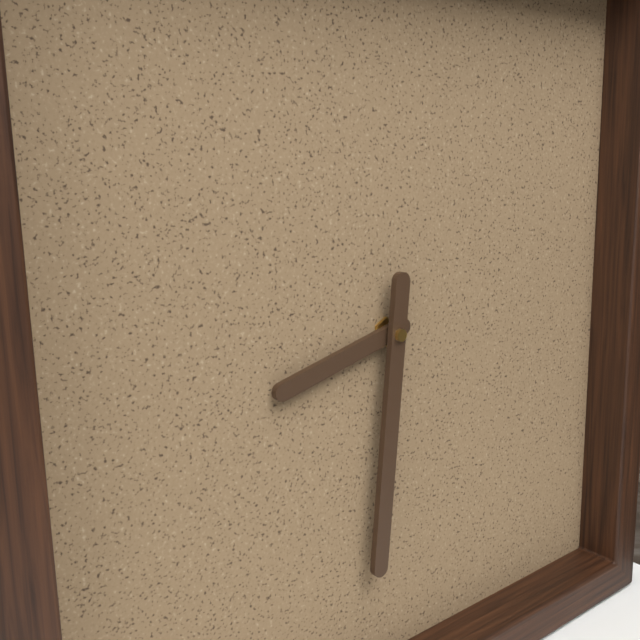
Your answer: 8,31
